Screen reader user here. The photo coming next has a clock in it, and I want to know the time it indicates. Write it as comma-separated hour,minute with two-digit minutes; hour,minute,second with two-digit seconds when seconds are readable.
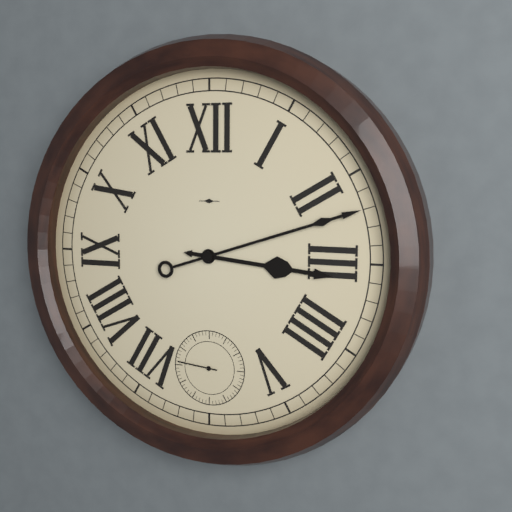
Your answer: 3,12
